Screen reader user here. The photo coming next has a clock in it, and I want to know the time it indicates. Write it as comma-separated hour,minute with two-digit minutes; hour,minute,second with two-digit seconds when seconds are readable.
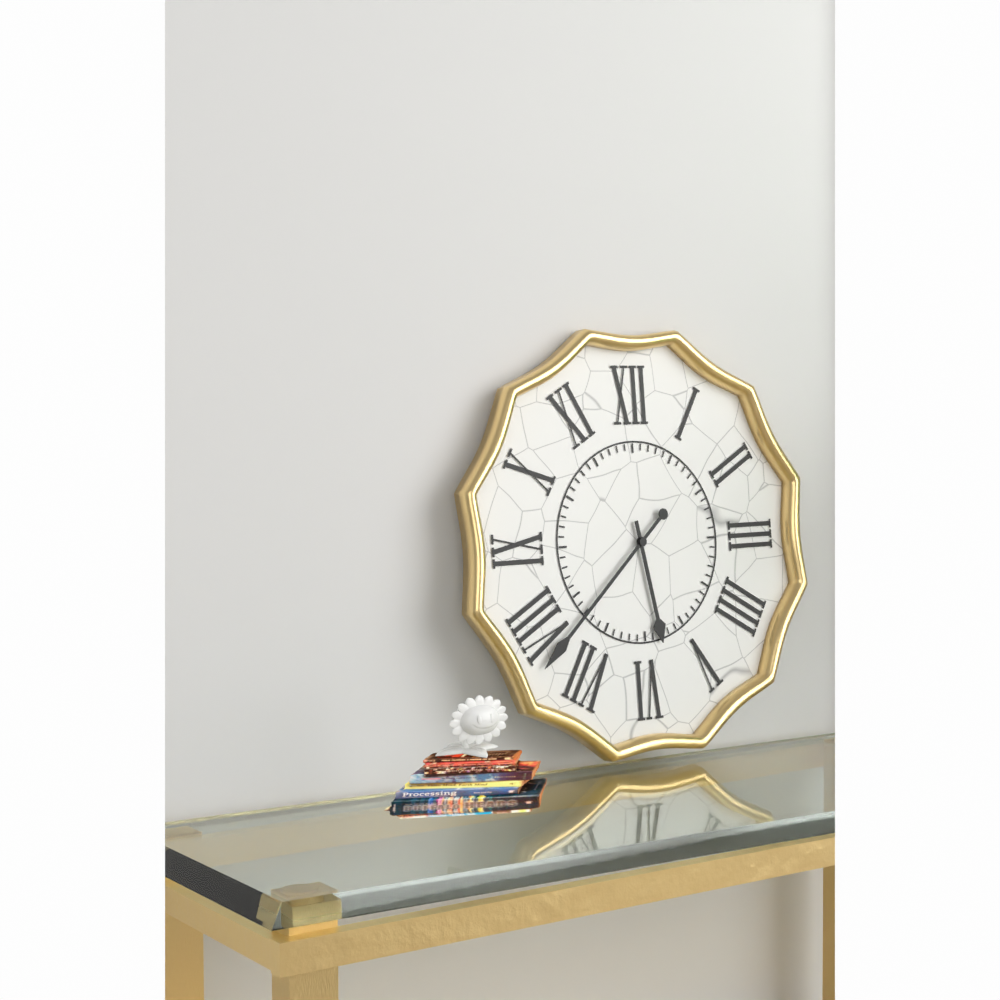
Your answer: 5,38
